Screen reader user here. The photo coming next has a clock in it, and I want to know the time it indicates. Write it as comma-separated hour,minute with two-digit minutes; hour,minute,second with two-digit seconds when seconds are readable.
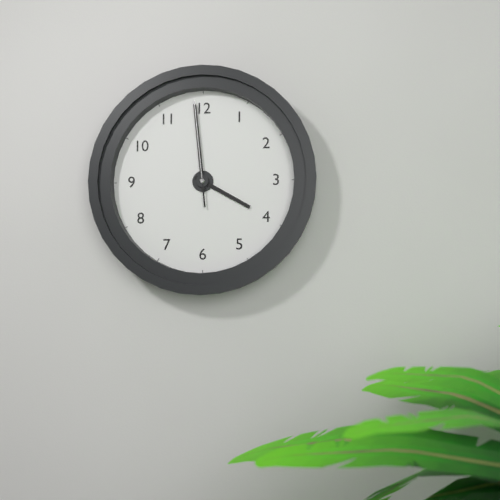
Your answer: 3,59,59
